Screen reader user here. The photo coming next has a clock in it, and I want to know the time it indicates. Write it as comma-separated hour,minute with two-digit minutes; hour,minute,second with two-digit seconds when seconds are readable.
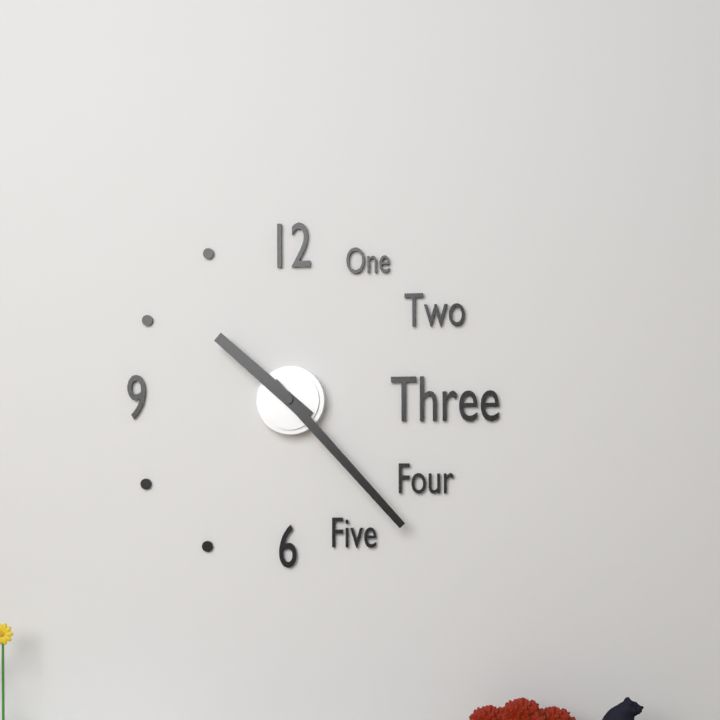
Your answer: 10,23
